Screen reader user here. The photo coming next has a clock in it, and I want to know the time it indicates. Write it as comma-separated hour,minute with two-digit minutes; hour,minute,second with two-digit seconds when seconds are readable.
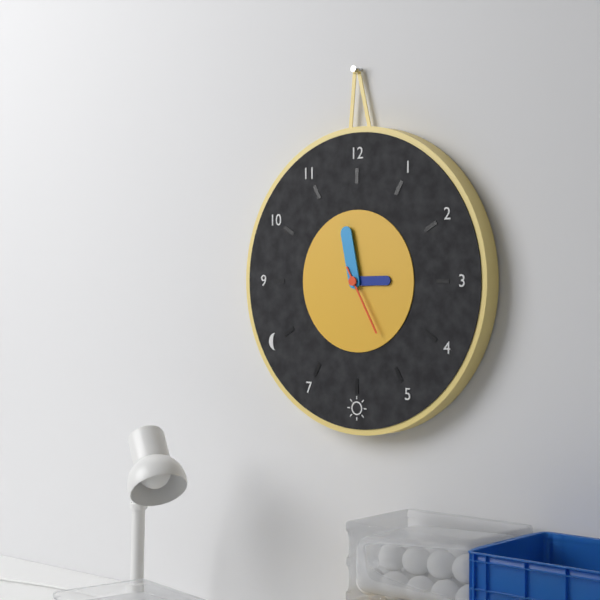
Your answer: 2,58,25
